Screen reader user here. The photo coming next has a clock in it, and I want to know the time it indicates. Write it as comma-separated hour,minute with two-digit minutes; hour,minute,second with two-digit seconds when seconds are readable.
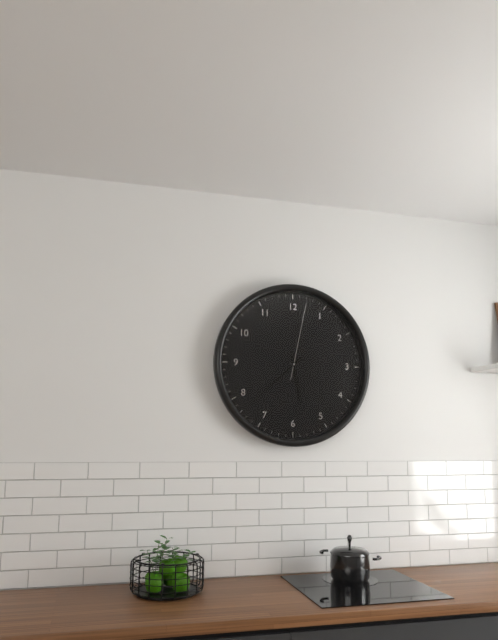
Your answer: 5,38,02
